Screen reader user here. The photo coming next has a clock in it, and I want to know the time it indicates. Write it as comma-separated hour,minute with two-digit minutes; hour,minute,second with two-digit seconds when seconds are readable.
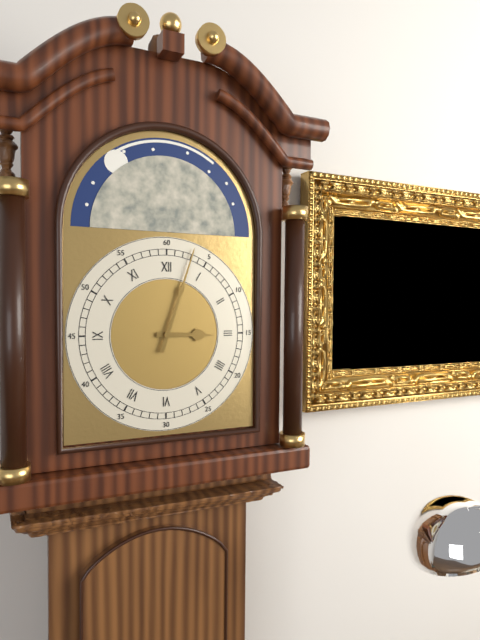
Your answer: 3,03
